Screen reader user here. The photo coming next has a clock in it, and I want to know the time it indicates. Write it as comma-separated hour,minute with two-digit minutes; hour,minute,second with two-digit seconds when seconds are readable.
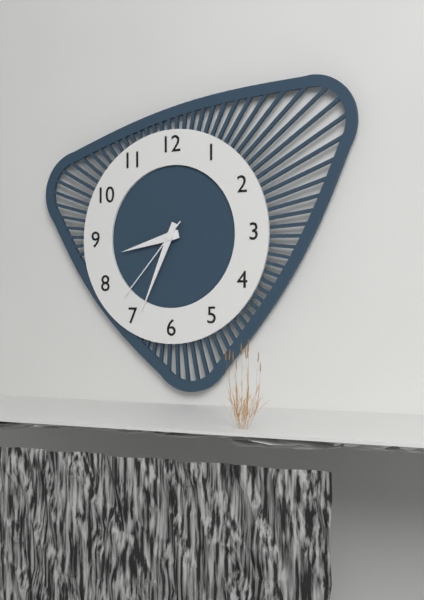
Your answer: 8,34,37
